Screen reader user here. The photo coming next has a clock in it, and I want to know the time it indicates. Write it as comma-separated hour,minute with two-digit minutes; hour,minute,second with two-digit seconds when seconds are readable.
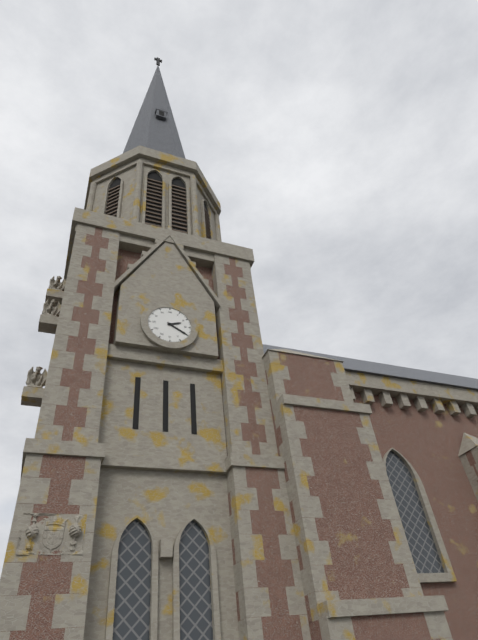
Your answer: 2,20
